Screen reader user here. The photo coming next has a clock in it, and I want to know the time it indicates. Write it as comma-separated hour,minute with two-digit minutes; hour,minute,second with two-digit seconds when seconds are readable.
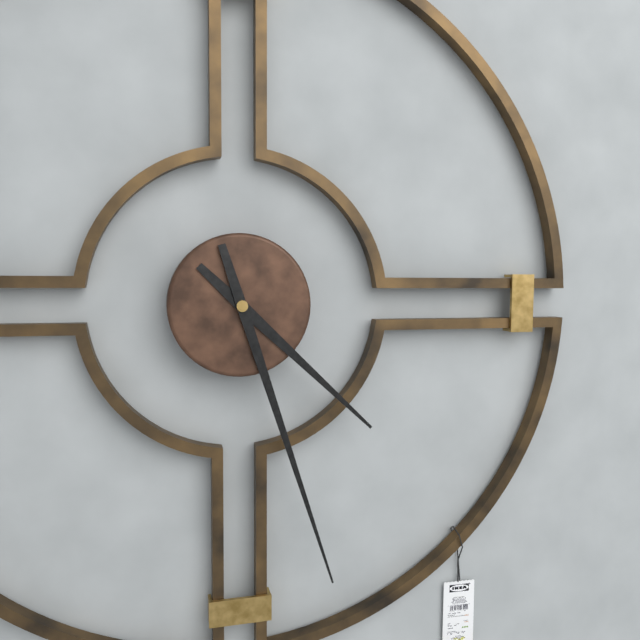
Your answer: 4,27
